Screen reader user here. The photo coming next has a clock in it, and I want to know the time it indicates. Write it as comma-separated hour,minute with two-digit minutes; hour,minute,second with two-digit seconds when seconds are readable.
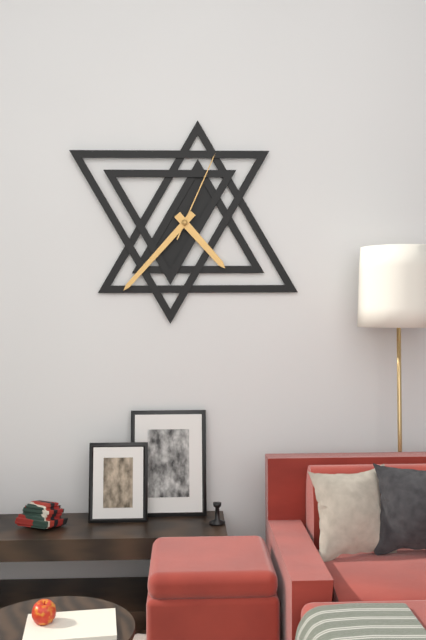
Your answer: 4,37,04
